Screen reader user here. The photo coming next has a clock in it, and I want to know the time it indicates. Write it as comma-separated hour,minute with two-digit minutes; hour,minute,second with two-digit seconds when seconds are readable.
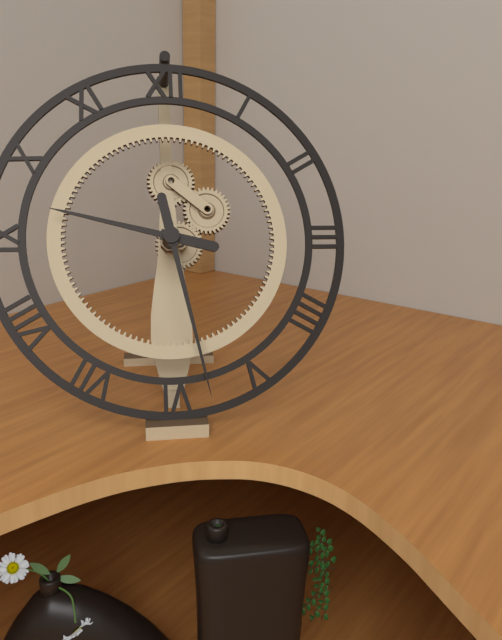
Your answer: 9,28
